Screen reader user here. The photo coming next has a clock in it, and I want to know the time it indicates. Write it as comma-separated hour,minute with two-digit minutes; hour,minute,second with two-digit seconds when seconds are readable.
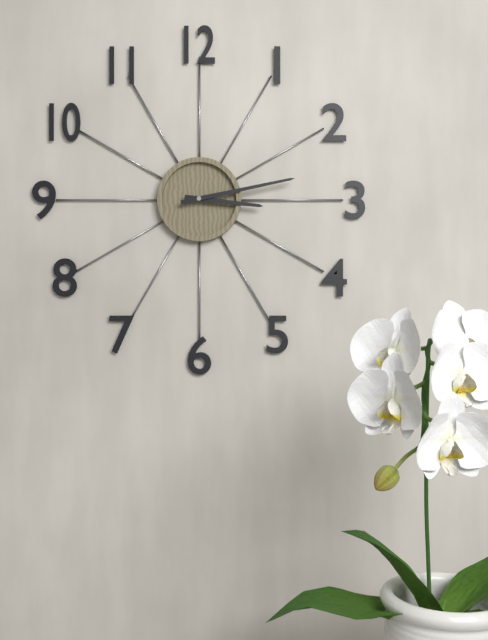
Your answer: 3,13
